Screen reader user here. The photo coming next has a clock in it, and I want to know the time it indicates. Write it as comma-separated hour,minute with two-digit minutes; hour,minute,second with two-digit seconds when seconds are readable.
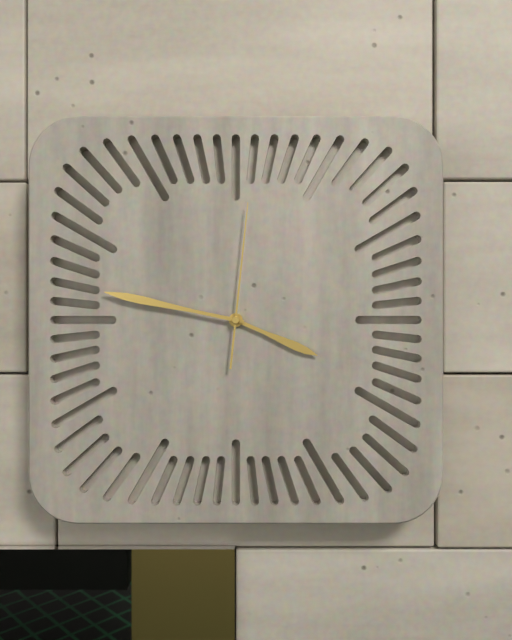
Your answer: 3,47,01
